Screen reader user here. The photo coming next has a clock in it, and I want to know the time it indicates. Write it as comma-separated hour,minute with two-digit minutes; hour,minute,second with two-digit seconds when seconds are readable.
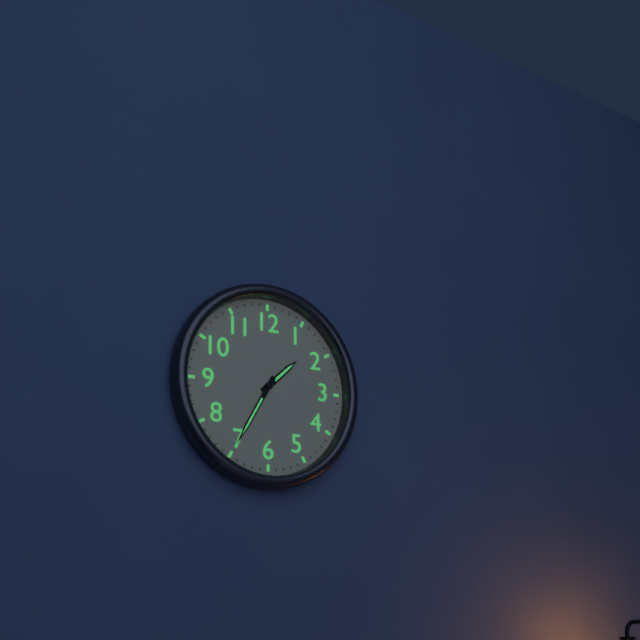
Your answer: 1,35
